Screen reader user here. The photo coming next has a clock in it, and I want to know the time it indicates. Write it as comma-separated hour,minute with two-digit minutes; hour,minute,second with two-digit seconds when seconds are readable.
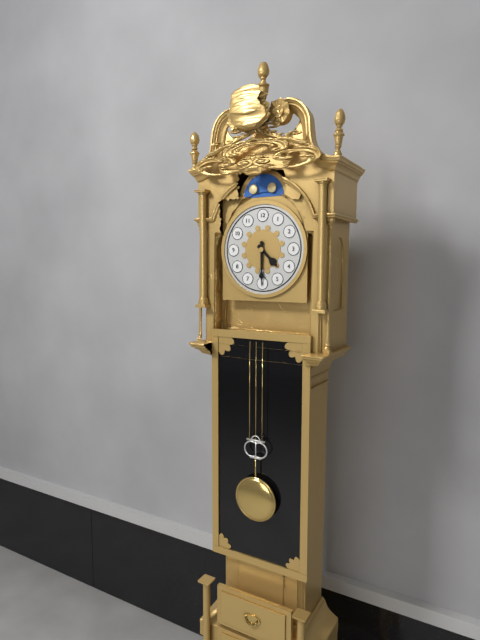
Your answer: 4,30
